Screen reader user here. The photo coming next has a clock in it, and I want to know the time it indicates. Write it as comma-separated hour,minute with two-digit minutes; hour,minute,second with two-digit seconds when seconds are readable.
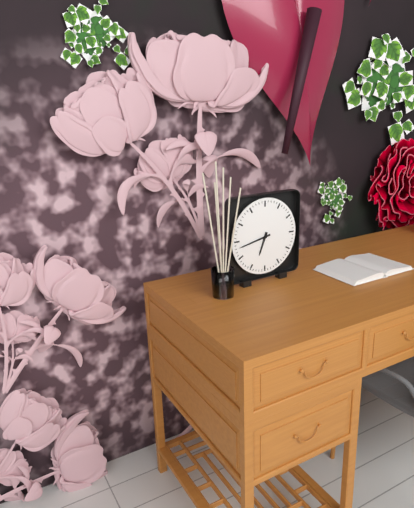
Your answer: 6,43
